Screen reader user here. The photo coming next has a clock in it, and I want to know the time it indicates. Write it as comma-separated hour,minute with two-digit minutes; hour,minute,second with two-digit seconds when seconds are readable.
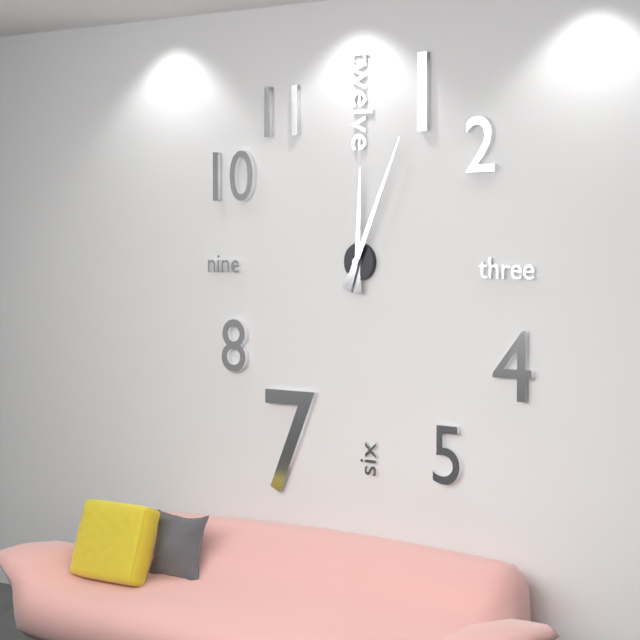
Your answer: 12,04
